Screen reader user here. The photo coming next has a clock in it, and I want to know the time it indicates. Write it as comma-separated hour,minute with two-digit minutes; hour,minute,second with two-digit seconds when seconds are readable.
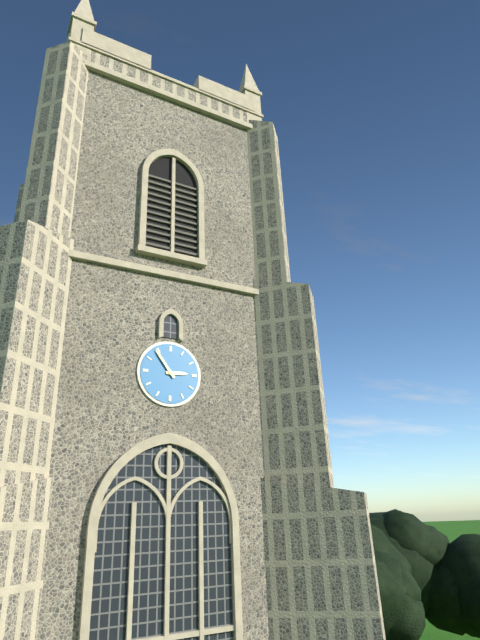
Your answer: 2,54
